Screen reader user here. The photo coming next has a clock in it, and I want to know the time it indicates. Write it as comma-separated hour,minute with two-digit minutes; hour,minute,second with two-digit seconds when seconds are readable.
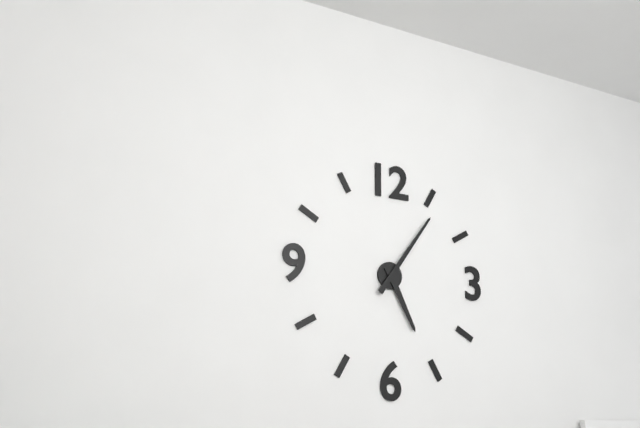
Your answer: 5,06
